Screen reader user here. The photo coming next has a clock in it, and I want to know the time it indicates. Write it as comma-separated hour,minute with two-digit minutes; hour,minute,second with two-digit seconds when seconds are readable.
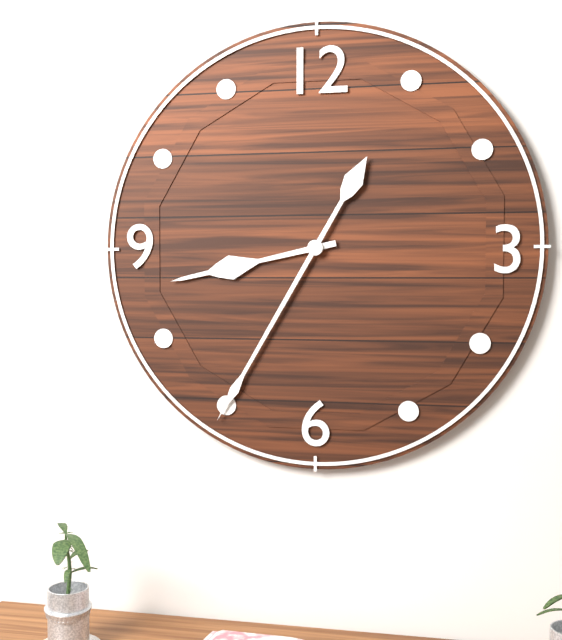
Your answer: 8,35
